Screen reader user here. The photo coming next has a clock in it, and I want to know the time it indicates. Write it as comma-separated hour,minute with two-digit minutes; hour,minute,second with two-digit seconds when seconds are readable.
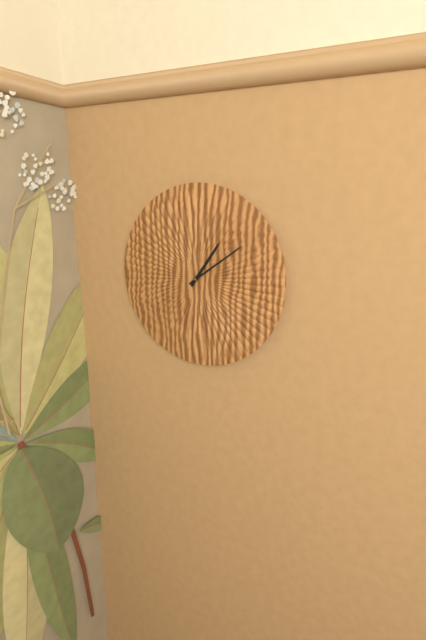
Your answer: 1,09
